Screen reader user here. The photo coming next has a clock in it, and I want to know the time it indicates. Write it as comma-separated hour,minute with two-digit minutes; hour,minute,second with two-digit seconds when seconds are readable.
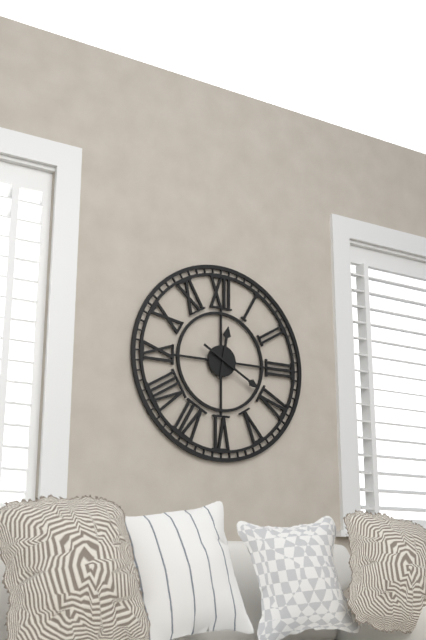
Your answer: 12,20
